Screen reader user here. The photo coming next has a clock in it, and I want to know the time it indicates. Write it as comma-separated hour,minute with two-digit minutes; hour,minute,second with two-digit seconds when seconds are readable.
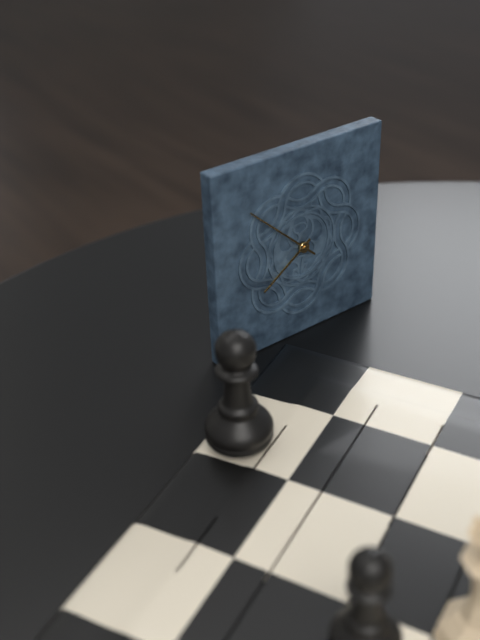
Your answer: 7,52
